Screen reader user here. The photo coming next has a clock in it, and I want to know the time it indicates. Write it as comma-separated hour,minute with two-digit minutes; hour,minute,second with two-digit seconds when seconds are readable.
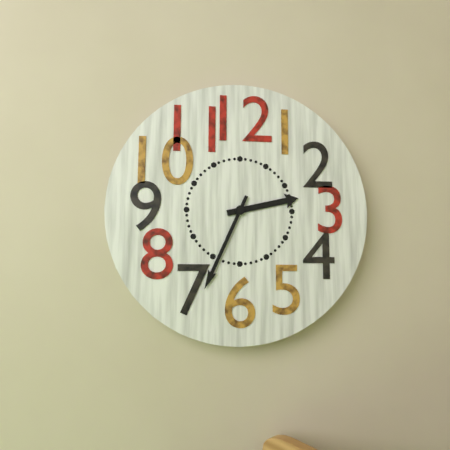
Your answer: 2,34
